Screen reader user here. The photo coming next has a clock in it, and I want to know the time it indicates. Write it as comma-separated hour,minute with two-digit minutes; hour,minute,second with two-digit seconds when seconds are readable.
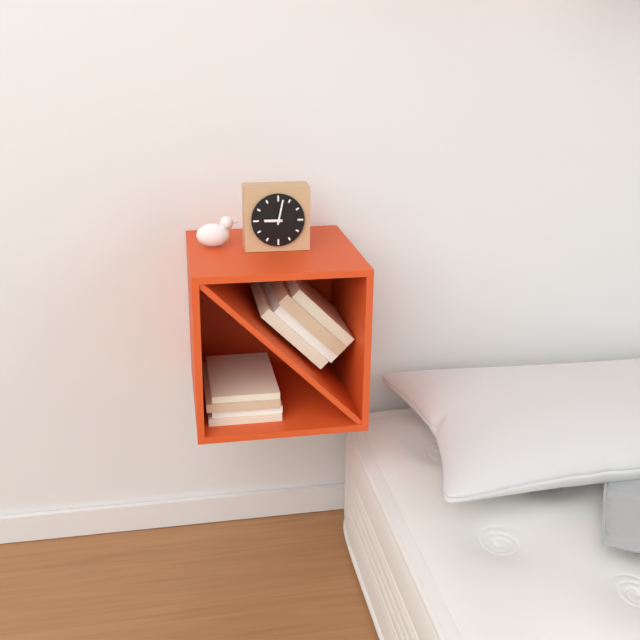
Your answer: 9,02
